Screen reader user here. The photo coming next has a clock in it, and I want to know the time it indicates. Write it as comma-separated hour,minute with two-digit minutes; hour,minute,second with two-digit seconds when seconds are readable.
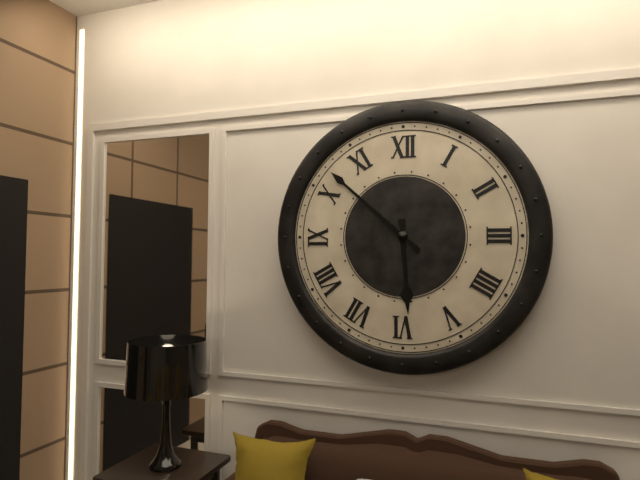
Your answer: 5,52
